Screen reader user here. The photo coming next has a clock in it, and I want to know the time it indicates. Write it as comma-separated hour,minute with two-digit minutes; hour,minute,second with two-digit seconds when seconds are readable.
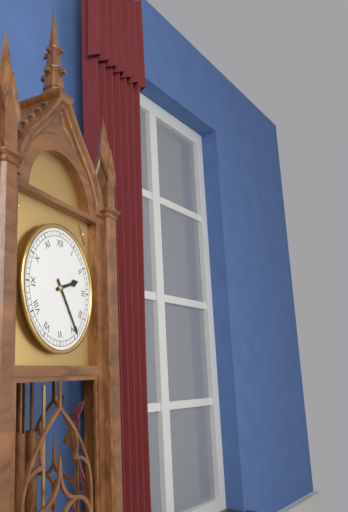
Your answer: 2,24
